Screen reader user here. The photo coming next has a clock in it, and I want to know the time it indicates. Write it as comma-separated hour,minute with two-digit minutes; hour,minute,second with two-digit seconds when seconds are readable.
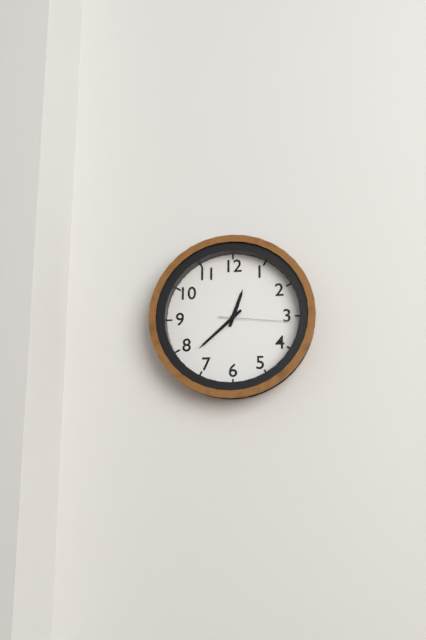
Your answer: 12,38,16
